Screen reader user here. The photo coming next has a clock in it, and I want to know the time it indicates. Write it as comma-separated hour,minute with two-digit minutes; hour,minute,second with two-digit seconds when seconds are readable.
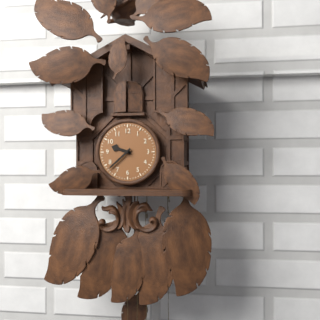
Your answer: 9,38
